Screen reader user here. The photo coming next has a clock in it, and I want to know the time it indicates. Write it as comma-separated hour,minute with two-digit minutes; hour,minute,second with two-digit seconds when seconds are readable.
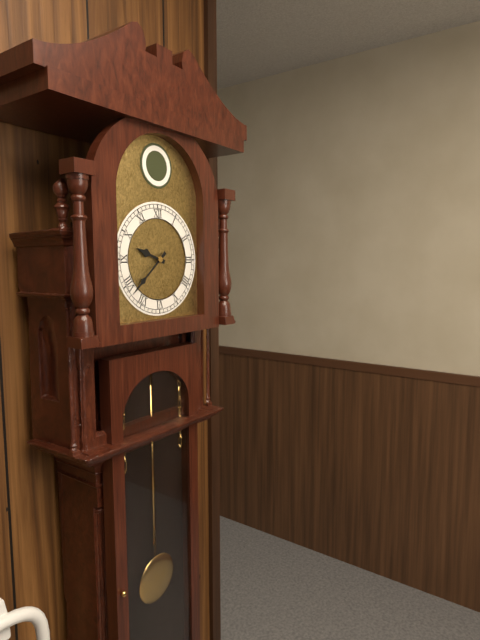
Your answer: 9,38
